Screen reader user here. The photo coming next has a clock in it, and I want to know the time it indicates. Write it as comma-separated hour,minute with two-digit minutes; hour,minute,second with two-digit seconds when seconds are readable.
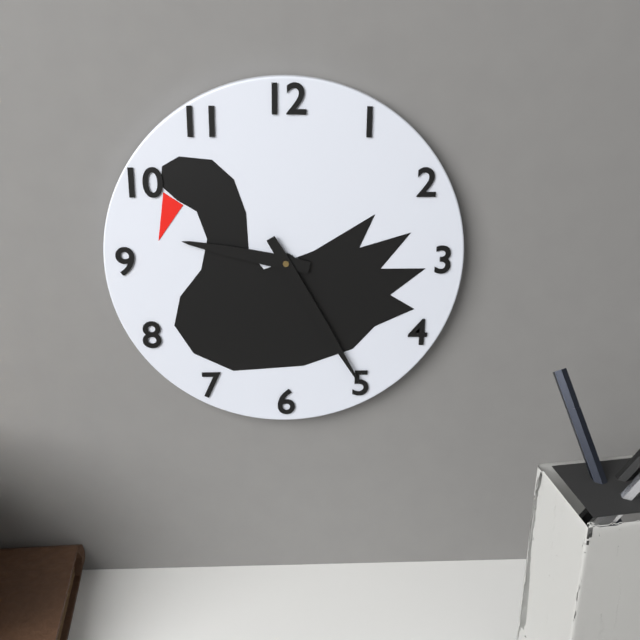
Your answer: 9,25
